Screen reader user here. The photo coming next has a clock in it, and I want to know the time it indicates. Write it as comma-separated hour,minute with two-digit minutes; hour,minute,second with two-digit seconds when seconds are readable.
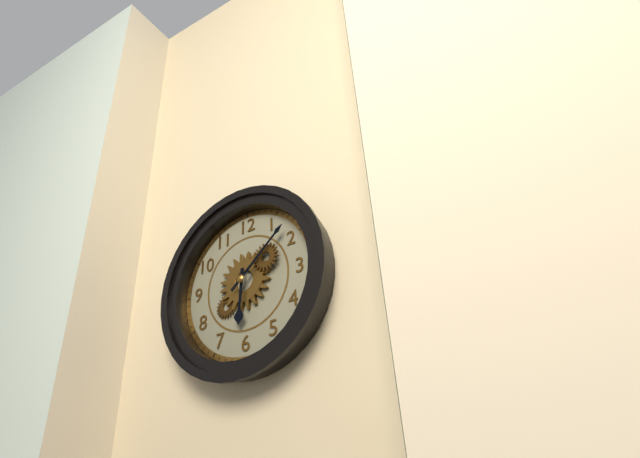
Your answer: 6,08
